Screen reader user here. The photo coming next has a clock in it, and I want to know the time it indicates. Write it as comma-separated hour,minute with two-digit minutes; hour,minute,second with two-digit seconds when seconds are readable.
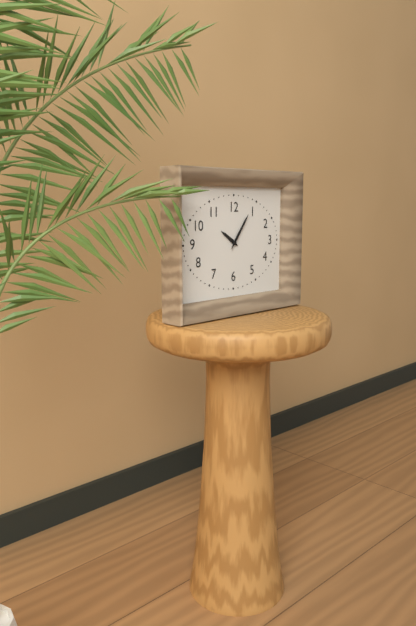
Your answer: 10,06
